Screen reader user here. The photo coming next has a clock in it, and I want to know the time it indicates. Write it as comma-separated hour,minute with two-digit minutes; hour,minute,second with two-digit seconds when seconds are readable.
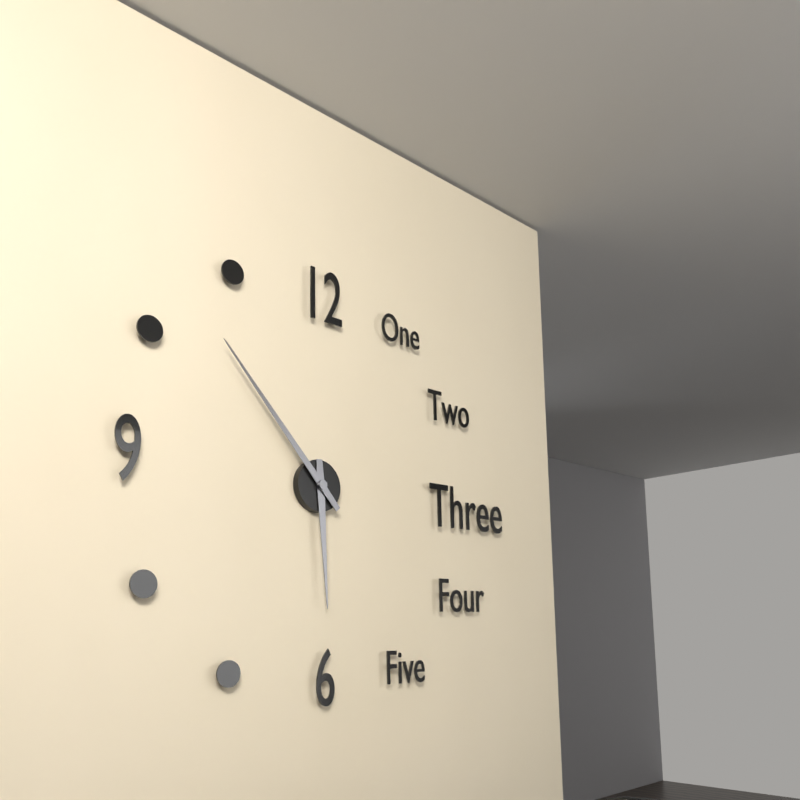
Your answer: 5,53
